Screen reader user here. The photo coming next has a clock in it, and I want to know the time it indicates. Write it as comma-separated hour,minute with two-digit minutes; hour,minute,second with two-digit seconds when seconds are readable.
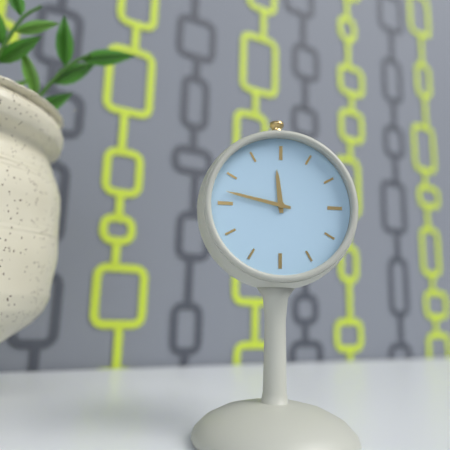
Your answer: 11,47
